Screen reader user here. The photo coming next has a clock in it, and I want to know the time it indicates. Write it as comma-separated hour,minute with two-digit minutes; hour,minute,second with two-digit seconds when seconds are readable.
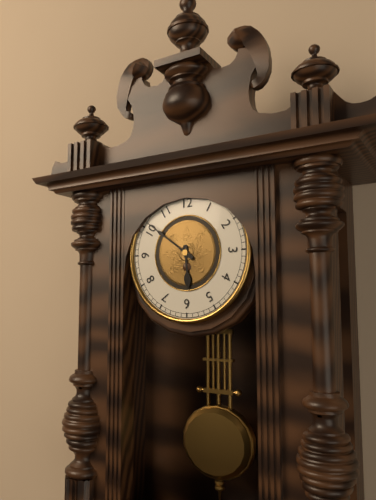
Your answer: 5,51
